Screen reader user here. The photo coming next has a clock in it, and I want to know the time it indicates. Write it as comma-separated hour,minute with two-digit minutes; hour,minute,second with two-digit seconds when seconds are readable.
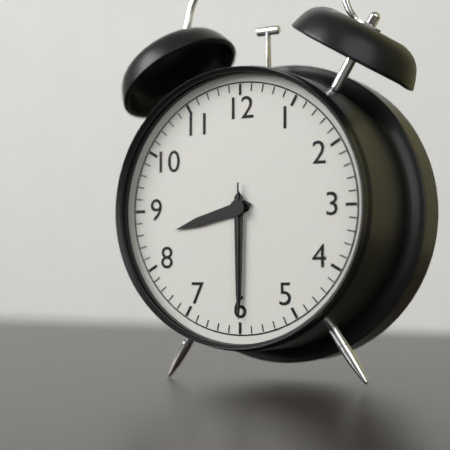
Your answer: 8,30,30
